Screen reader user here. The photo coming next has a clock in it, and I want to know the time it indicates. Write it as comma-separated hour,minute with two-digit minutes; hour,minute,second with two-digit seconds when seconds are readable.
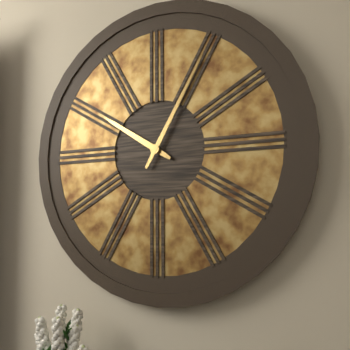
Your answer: 10,05
